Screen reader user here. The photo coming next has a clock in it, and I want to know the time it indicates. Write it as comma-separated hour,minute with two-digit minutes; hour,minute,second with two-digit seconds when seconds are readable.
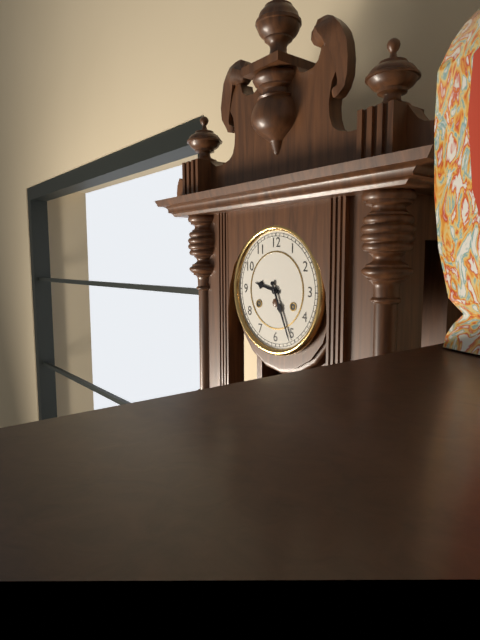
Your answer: 9,26
